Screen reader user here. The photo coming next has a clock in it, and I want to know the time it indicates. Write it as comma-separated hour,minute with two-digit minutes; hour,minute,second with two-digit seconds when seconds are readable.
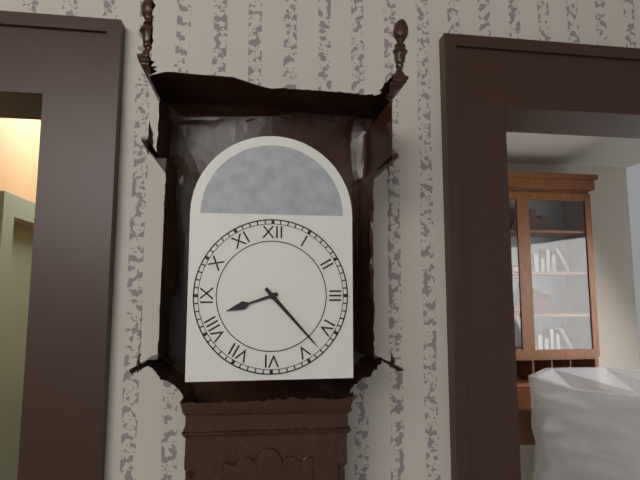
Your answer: 8,23
